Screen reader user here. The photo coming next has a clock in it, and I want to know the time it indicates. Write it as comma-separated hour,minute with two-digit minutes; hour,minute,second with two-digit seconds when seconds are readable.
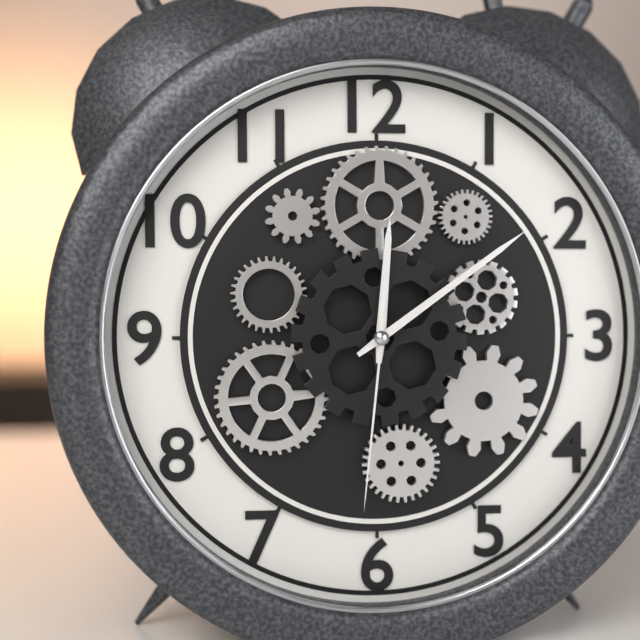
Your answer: 12,09,31
